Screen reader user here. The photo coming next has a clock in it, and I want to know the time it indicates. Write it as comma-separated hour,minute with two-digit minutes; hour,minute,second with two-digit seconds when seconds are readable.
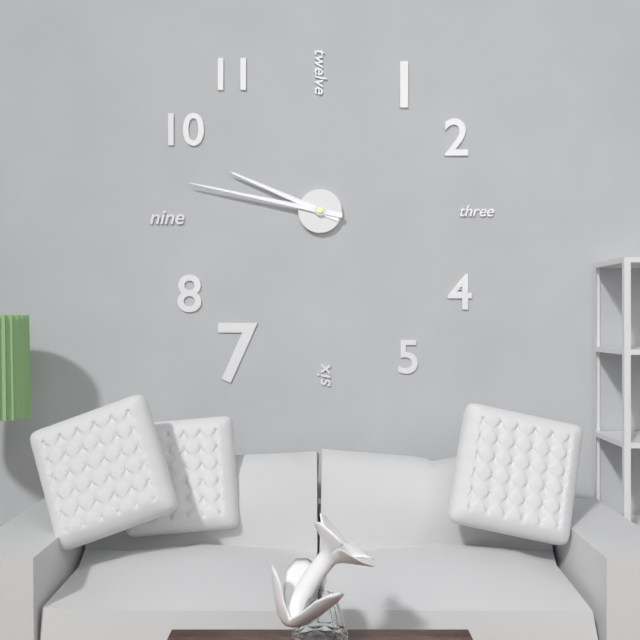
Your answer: 9,47
